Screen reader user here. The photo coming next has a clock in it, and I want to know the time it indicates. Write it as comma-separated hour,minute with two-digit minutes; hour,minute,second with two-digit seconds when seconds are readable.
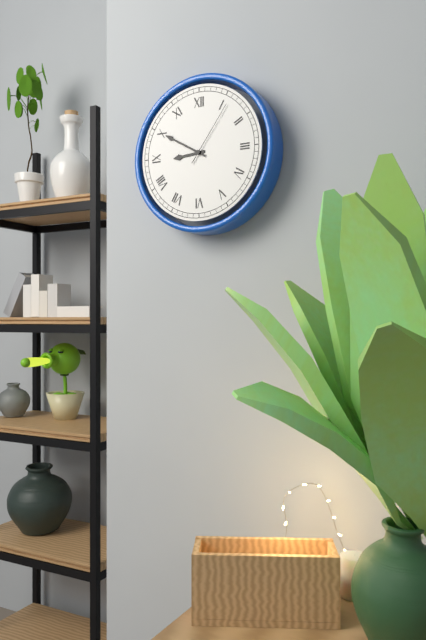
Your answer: 8,50,06
